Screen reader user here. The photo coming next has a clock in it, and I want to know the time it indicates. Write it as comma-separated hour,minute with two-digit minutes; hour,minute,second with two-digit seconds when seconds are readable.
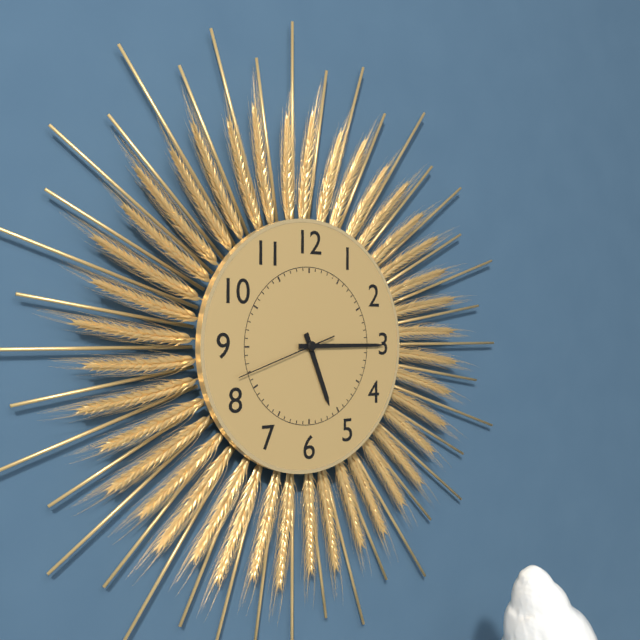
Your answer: 5,15,42
